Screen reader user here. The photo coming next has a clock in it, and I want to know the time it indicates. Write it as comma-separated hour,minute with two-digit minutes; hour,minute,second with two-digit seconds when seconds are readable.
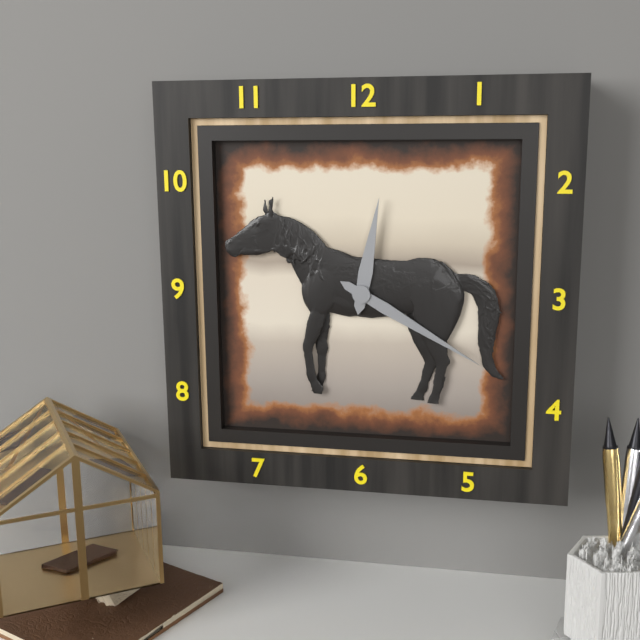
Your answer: 12,20
